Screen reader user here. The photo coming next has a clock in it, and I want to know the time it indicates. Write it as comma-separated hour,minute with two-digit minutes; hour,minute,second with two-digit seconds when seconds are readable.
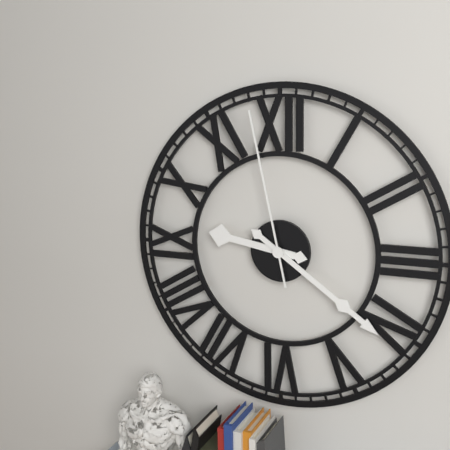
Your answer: 9,21,58
